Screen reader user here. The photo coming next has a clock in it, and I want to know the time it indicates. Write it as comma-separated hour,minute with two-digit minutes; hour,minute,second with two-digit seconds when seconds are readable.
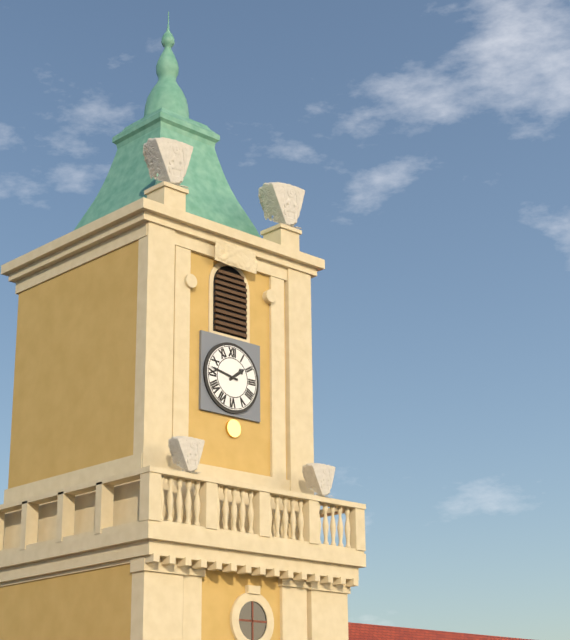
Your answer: 1,47
